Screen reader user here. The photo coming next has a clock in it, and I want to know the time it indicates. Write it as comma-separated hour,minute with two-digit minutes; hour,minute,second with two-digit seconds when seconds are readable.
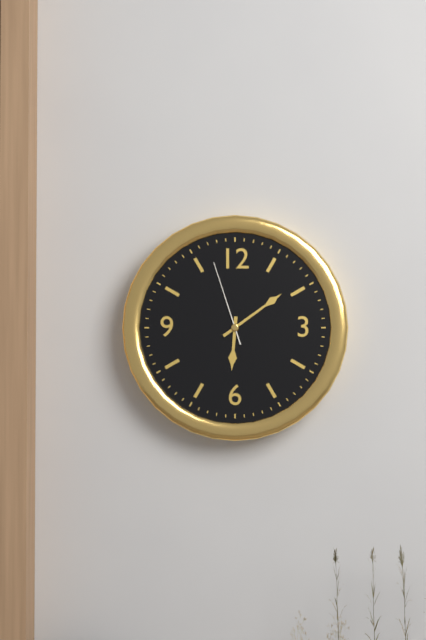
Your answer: 6,09,57
